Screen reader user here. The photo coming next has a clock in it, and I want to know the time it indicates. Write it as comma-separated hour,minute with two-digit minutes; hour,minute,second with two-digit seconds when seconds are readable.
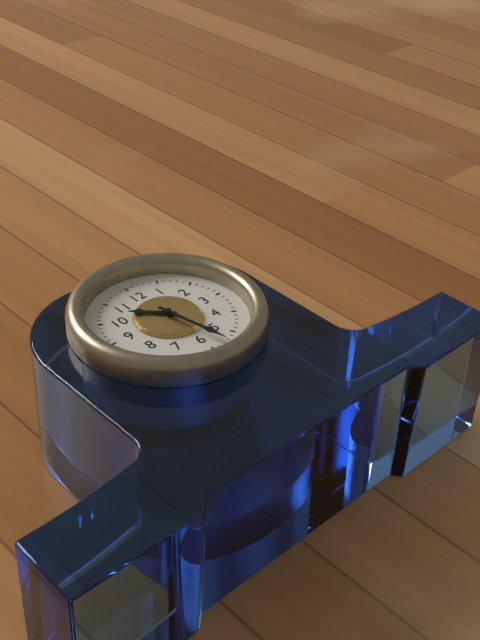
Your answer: 10,28
